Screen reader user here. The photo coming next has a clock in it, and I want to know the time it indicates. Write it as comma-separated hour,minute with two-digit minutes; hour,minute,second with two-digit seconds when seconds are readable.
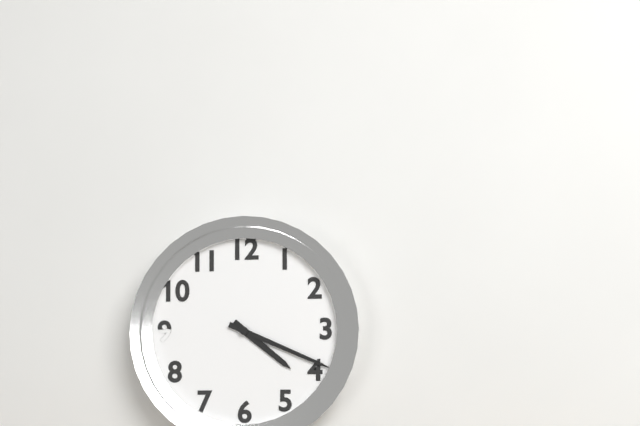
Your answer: 4,19
